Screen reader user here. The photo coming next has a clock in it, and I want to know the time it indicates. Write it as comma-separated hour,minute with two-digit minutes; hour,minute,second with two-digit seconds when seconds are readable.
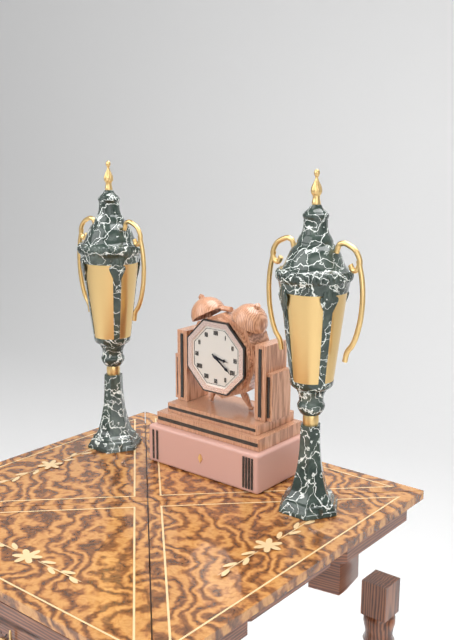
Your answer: 3,21
